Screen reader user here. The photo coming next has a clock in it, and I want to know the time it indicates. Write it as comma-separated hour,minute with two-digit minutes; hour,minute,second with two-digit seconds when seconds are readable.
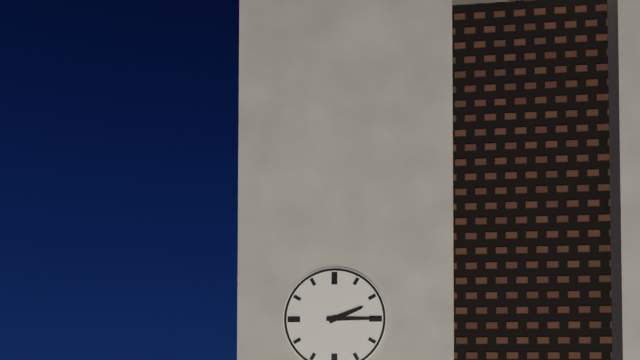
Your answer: 2,15
